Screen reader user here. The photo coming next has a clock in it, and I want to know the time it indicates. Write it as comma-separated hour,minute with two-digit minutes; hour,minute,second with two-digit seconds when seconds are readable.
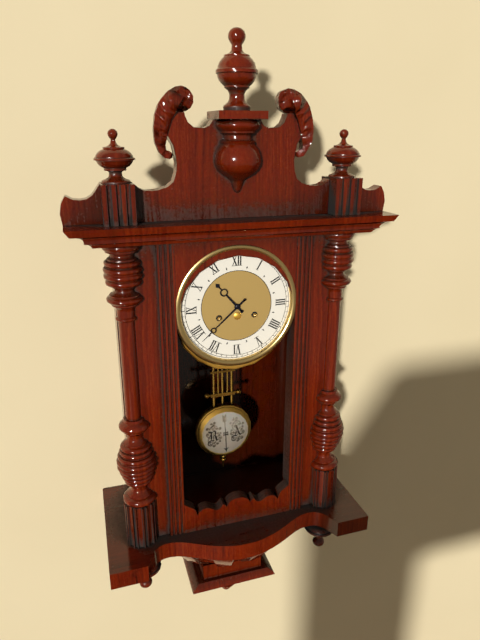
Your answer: 10,38
